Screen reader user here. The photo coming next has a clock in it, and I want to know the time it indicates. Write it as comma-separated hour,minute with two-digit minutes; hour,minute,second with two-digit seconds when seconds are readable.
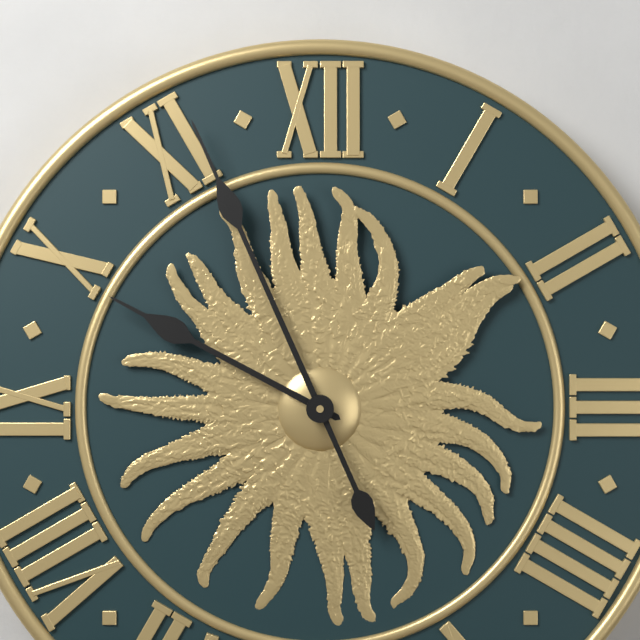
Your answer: 9,56
